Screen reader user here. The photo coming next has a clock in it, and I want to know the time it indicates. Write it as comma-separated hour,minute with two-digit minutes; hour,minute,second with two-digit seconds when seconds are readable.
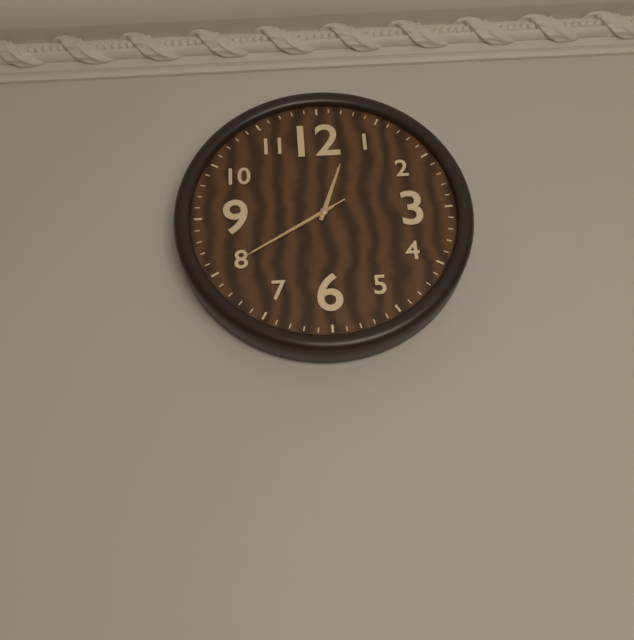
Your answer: 12,40,40
